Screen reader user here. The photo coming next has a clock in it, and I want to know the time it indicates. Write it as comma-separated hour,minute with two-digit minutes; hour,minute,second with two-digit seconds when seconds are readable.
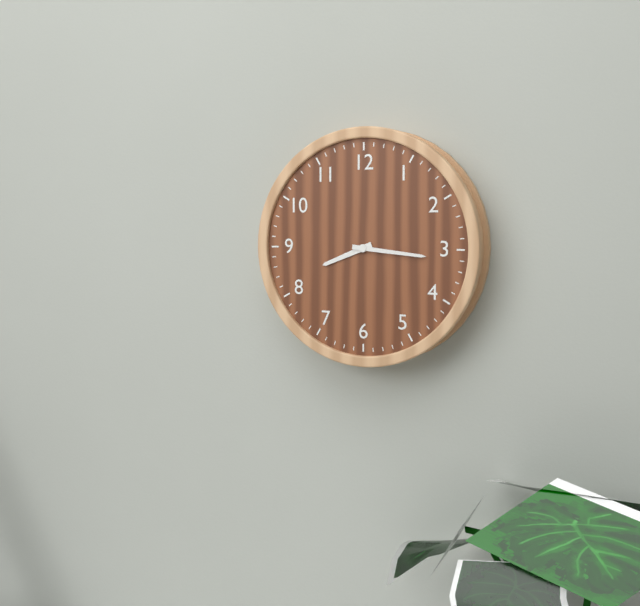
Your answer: 8,16
